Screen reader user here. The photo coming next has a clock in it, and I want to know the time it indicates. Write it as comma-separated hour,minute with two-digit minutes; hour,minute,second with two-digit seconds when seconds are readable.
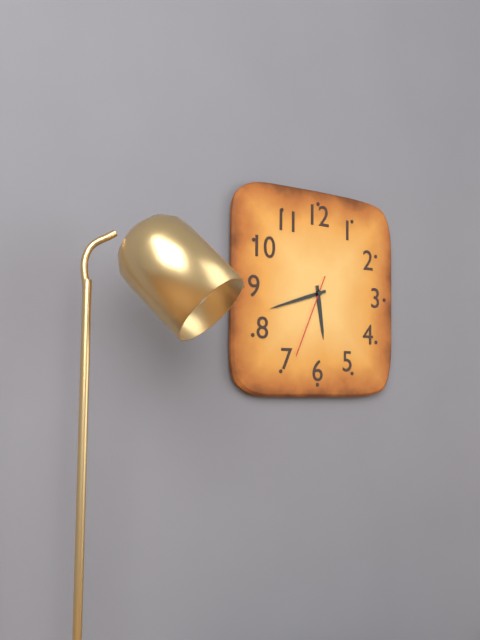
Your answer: 5,42,34
